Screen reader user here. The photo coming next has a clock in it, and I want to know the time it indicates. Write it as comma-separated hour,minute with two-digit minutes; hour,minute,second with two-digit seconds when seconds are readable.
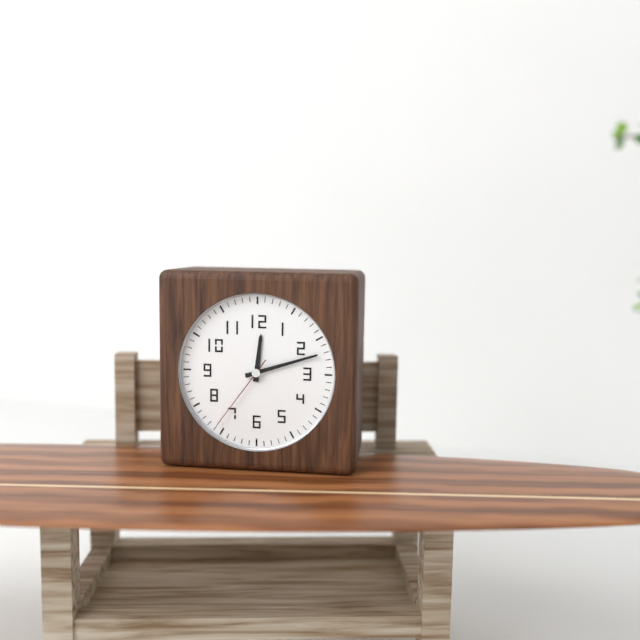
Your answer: 12,12,36
